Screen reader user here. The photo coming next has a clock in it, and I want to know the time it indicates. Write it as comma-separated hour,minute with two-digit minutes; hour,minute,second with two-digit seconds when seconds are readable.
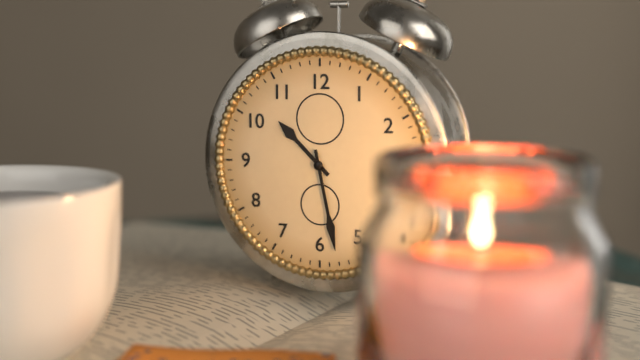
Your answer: 10,28
